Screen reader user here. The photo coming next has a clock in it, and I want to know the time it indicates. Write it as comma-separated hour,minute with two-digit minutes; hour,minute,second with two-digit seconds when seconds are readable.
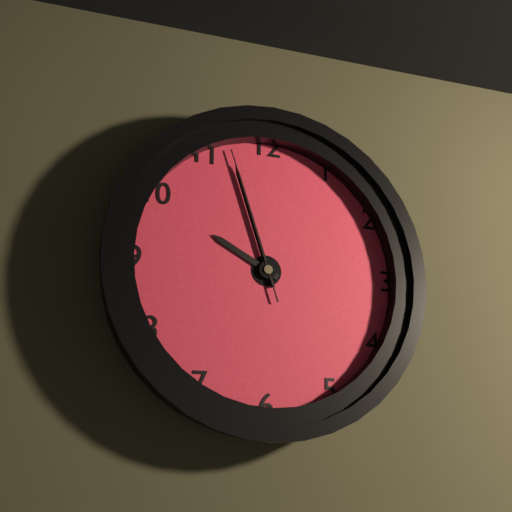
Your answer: 9,57,57
